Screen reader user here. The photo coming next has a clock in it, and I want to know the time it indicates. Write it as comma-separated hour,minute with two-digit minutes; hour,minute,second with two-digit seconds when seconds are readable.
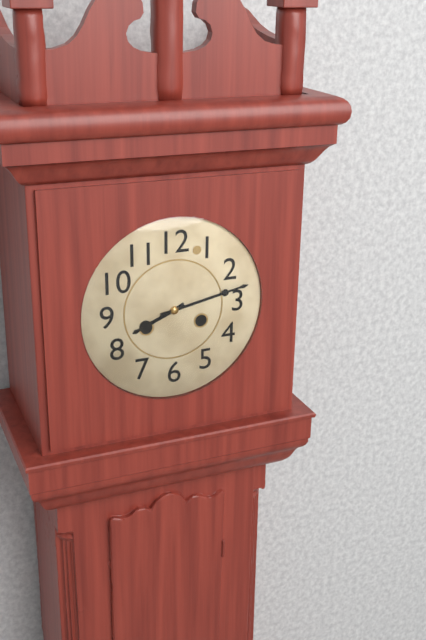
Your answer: 8,13
